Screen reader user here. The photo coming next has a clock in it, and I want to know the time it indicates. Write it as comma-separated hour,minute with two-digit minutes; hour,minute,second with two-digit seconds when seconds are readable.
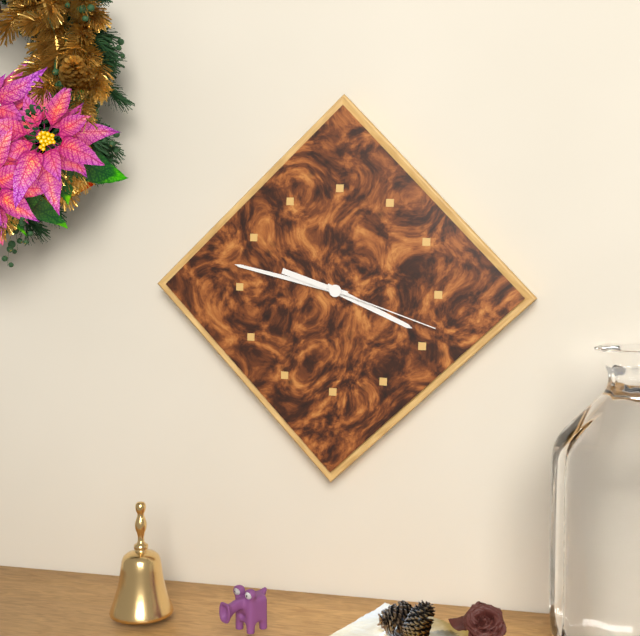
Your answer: 3,47,18
